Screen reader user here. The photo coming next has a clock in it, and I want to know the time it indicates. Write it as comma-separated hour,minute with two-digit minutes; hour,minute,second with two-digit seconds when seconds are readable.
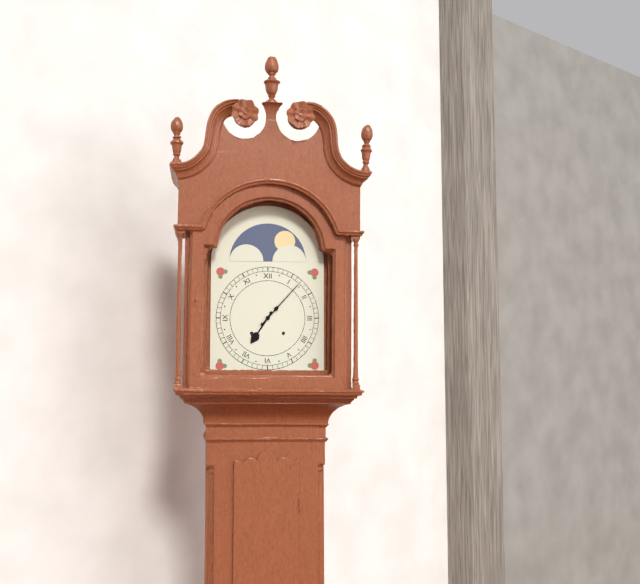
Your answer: 7,07
